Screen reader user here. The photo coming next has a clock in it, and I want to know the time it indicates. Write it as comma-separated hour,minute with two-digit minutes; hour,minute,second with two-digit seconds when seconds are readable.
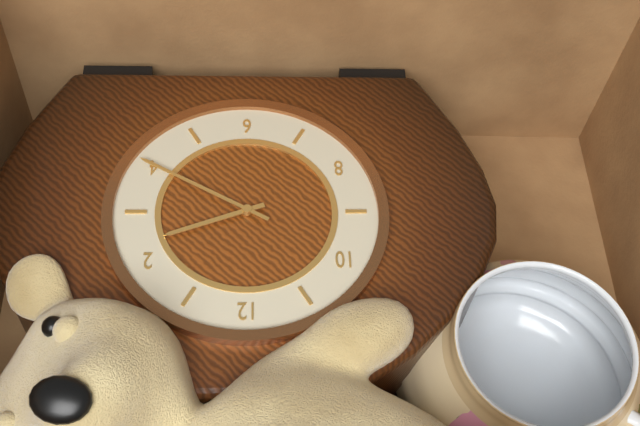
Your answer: 2,20
